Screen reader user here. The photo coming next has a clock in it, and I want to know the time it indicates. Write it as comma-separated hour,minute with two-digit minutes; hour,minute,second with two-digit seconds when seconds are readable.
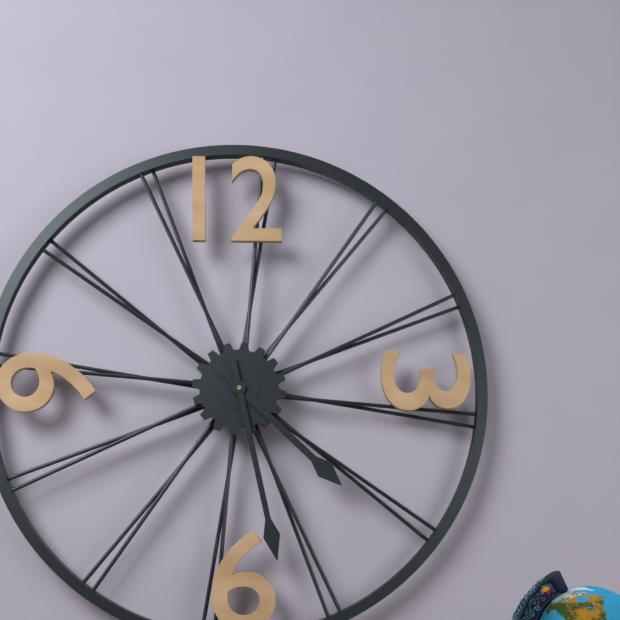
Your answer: 4,28
